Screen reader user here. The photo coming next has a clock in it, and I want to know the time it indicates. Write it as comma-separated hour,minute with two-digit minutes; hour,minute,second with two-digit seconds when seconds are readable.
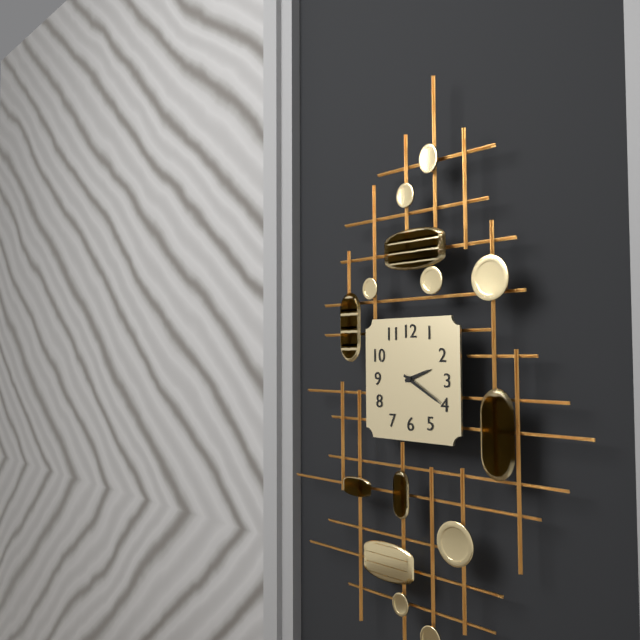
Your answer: 2,20
